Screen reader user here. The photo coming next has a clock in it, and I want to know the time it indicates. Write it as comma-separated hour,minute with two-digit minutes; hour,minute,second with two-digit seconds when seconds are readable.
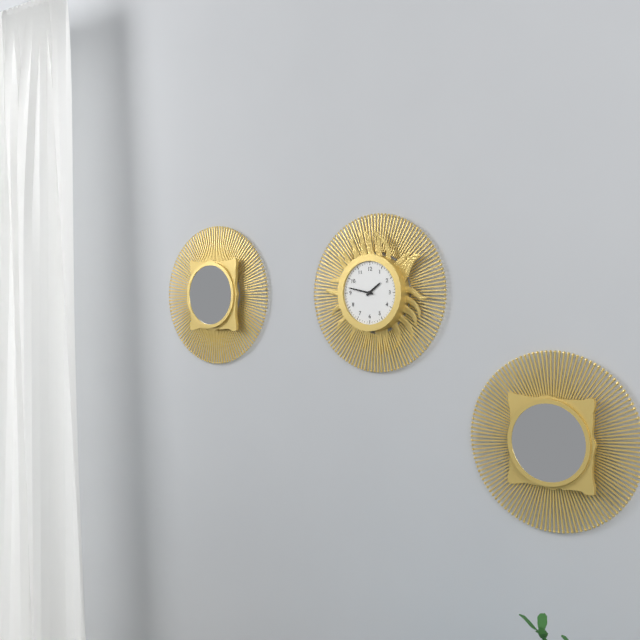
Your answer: 1,47
